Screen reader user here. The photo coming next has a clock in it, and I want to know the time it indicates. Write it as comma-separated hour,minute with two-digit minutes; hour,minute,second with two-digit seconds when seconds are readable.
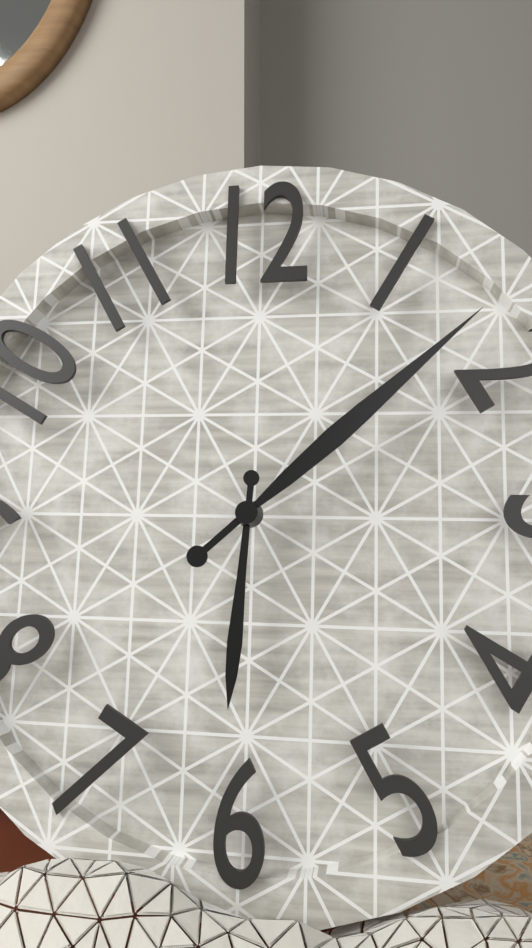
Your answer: 6,08
